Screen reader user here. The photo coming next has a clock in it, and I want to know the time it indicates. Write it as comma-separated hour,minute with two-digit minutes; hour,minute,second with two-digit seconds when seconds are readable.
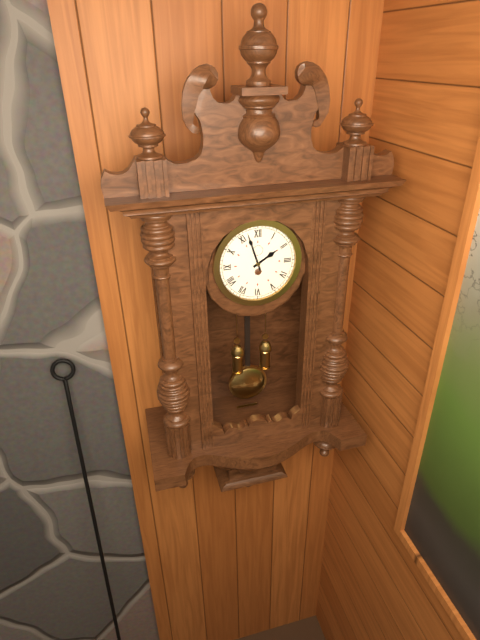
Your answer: 1,57
